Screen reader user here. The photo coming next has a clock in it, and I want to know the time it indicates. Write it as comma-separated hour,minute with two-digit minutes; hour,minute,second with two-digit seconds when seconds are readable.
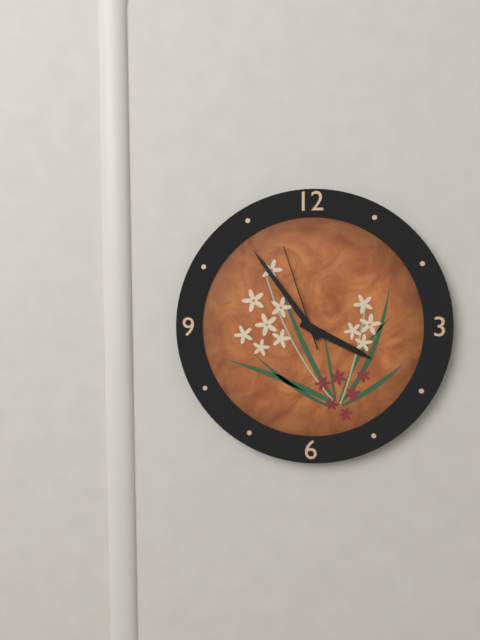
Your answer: 3,54,57
